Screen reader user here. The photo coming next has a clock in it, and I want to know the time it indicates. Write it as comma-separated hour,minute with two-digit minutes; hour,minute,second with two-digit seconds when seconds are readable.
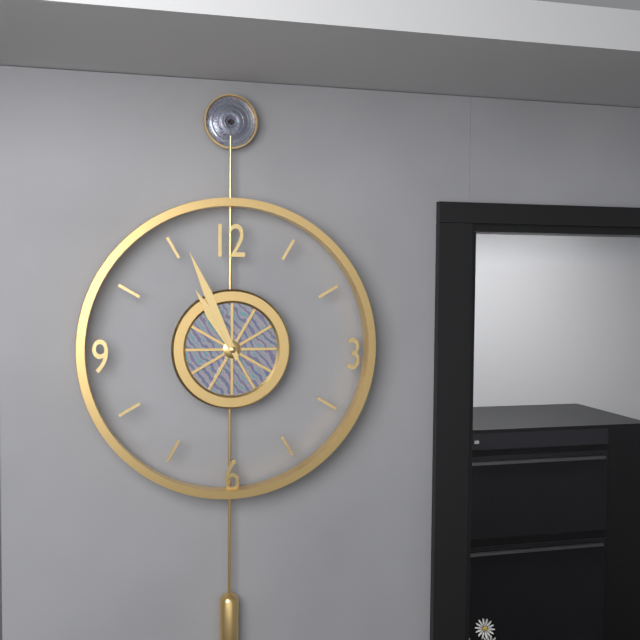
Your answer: 10,56
